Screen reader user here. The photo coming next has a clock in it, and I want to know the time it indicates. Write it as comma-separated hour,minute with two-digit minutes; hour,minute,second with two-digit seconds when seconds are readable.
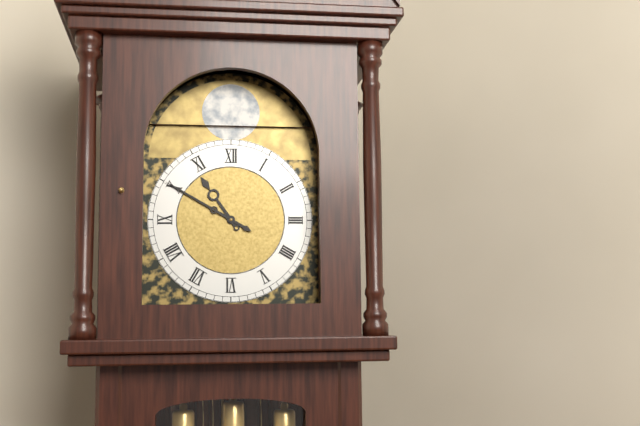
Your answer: 10,50
